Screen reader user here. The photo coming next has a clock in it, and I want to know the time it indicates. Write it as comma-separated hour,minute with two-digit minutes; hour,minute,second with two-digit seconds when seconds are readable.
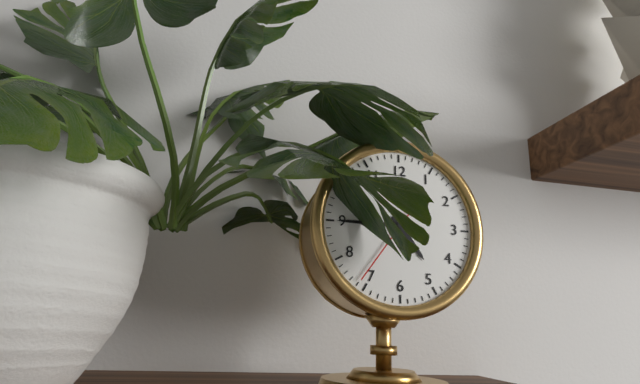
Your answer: 4,45,36
